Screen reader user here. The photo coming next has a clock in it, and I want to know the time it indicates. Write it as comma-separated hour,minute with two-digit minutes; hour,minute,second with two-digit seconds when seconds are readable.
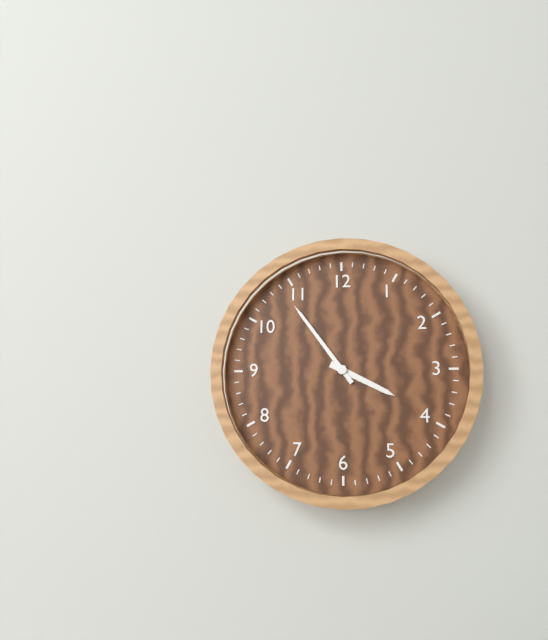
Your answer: 3,54
